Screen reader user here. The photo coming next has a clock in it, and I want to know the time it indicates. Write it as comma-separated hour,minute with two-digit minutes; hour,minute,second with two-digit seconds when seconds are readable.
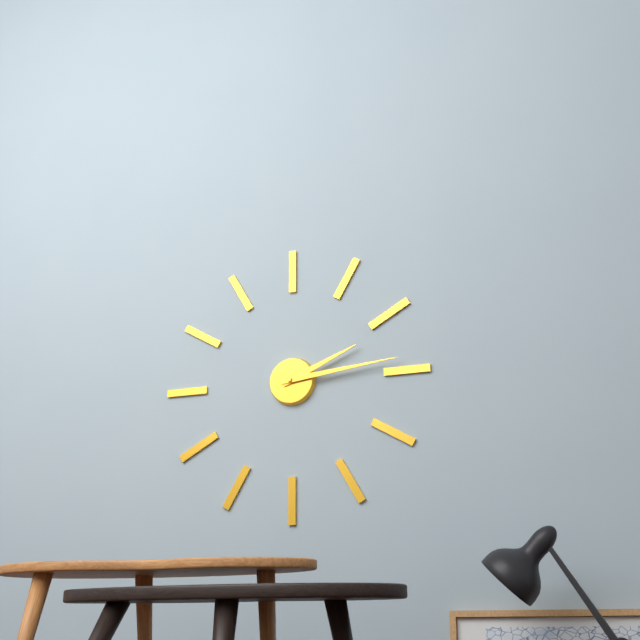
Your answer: 2,14
